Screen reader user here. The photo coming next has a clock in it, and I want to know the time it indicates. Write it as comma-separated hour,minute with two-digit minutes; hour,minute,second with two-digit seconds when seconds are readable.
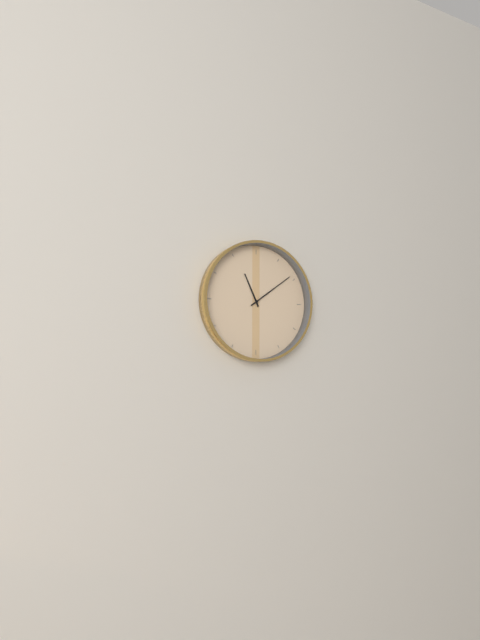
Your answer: 11,09
